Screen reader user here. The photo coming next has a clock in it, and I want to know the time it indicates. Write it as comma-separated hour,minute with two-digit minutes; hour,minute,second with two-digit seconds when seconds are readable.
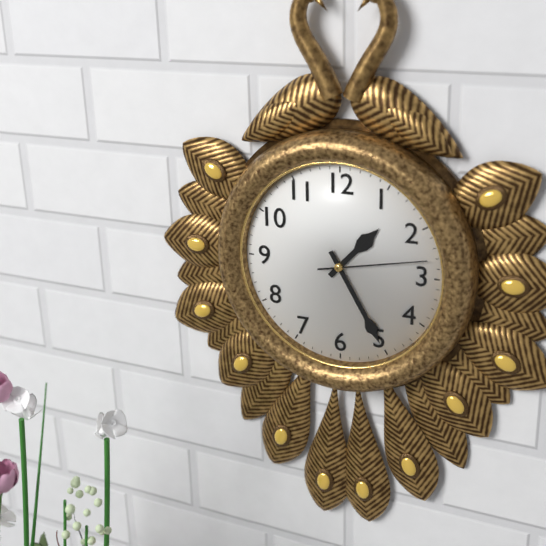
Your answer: 1,25,13
